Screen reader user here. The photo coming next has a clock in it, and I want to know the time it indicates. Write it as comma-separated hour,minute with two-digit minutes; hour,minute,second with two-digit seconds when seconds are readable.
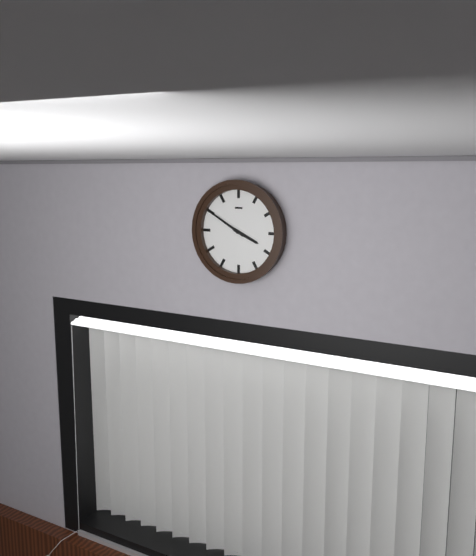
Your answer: 3,50
